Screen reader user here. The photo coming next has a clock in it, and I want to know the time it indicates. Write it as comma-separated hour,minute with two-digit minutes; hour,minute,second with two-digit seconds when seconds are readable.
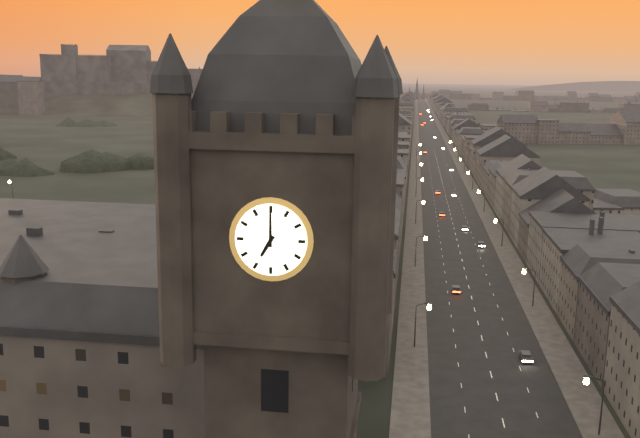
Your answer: 7,00
